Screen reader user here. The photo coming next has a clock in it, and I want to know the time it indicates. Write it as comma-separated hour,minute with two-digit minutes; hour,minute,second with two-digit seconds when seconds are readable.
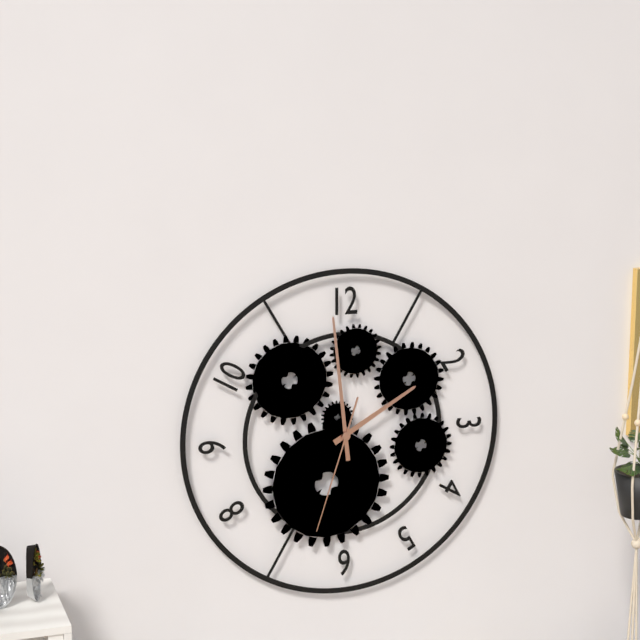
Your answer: 1,59,33
